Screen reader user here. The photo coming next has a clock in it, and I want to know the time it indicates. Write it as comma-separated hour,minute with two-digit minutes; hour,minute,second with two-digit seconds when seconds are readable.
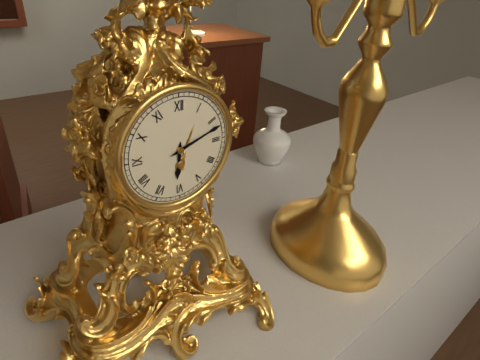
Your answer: 6,12
